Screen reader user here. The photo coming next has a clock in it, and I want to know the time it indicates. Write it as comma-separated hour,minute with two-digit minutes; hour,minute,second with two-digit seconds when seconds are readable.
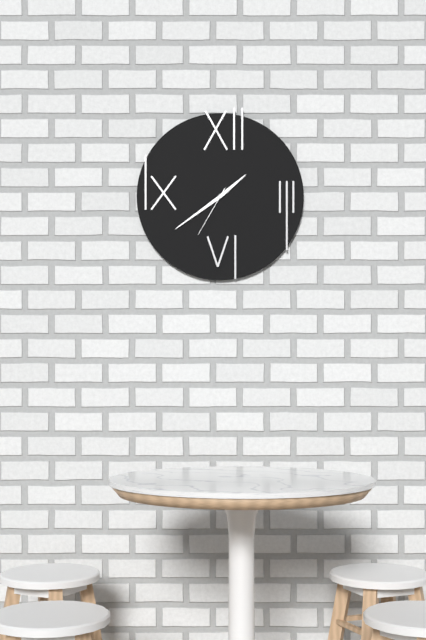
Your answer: 1,39,35
